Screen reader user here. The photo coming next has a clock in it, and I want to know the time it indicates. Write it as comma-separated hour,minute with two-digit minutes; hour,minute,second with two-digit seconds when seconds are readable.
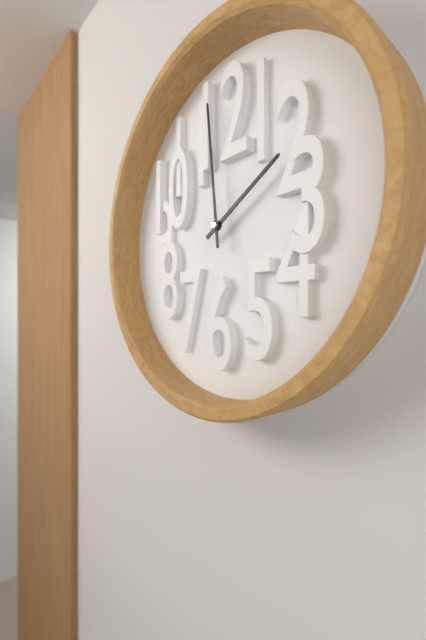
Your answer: 1,59
